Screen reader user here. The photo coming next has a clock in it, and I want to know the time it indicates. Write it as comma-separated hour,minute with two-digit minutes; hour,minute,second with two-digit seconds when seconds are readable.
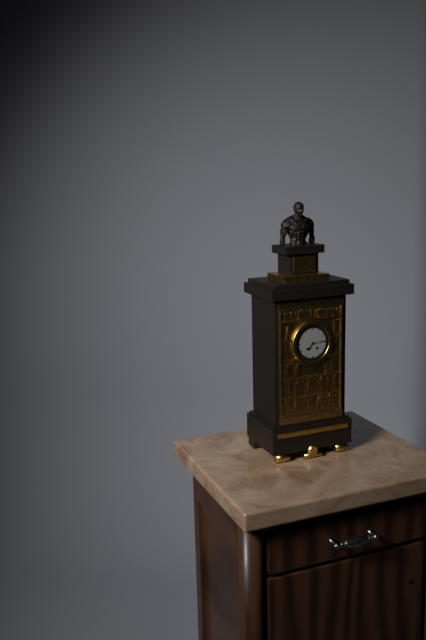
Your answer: 7,14
